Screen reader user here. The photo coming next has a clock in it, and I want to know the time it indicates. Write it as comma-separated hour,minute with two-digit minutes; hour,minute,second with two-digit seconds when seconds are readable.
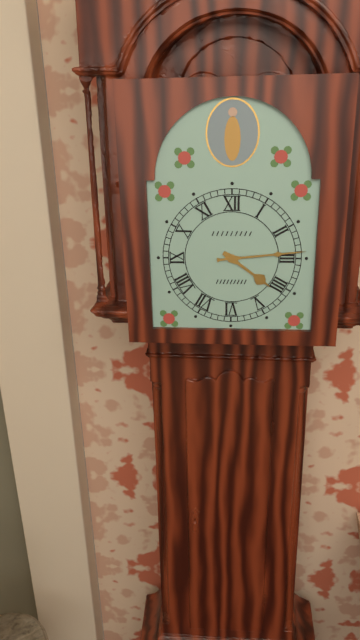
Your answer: 4,14
